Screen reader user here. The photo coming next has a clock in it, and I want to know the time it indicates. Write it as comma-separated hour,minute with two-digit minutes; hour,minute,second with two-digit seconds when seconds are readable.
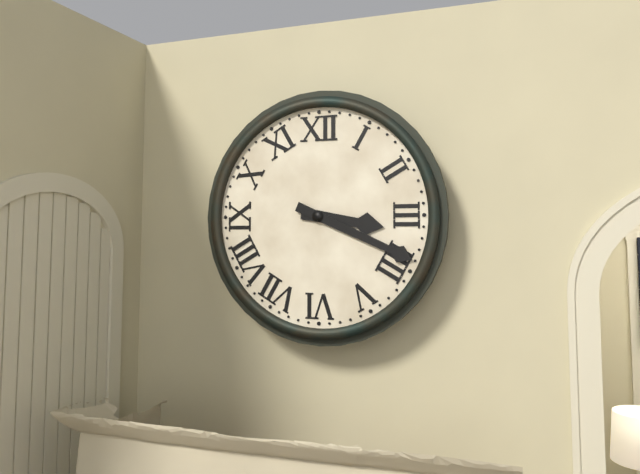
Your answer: 3,19
